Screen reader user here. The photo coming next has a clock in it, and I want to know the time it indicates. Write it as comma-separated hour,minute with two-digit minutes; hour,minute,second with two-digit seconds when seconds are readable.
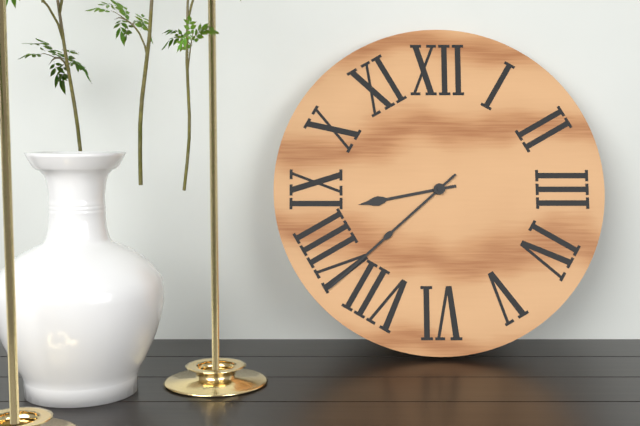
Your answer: 8,38
